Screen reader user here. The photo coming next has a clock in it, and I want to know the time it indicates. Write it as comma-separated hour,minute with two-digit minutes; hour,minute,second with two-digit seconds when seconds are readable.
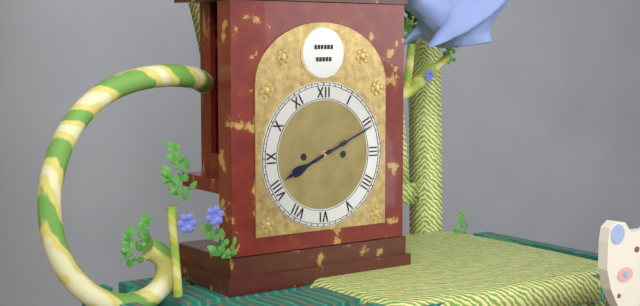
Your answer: 8,11
